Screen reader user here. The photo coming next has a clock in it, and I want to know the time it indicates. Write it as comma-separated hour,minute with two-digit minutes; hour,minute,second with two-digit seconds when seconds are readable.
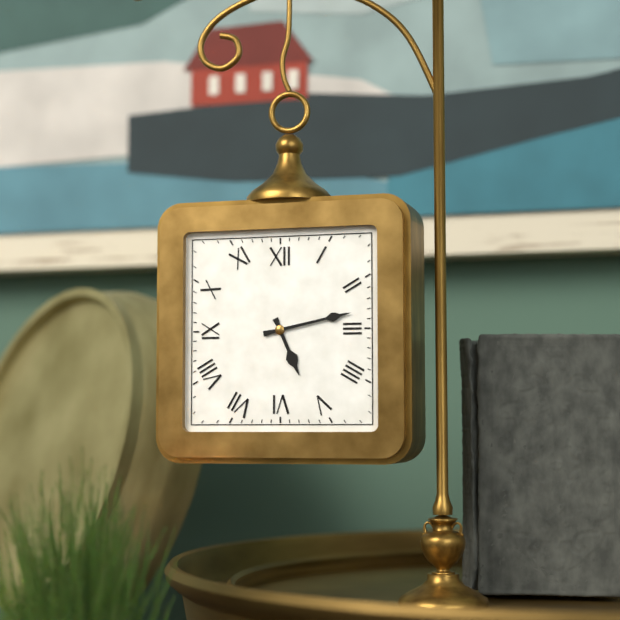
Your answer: 5,13
